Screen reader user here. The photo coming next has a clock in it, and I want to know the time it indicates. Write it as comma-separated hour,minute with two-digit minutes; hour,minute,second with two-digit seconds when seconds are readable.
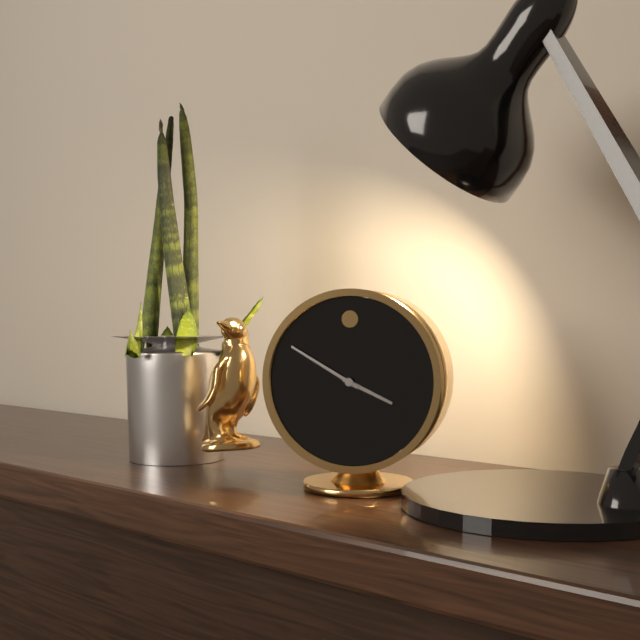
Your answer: 3,50
